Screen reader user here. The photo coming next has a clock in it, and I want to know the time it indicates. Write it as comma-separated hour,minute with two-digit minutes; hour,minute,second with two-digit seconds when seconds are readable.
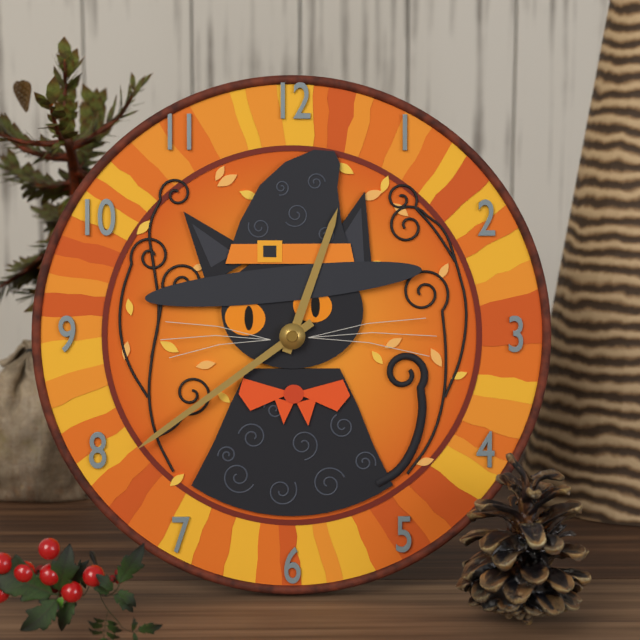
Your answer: 12,39
